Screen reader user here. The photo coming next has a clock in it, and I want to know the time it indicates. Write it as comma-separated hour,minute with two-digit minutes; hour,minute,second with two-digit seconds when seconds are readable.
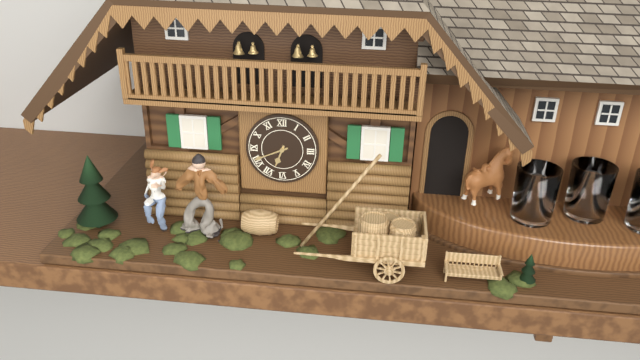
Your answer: 6,41
